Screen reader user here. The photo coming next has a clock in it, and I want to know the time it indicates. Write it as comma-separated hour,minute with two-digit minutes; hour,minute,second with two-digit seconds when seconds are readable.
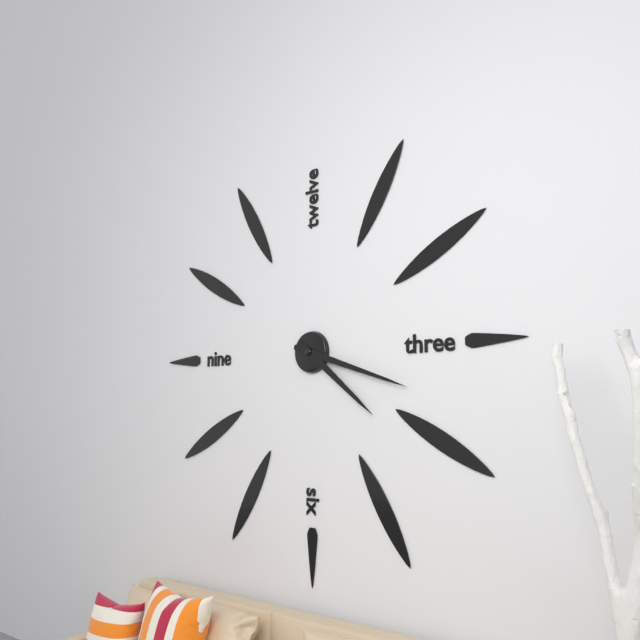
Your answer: 4,18
